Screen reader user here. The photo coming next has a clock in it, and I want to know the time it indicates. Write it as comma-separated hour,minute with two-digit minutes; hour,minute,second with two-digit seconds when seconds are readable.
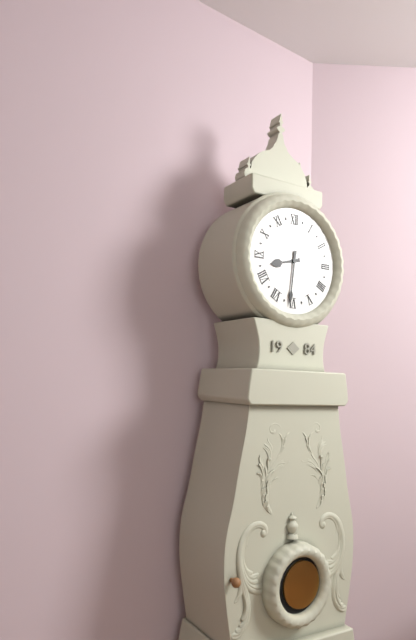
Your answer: 8,31
